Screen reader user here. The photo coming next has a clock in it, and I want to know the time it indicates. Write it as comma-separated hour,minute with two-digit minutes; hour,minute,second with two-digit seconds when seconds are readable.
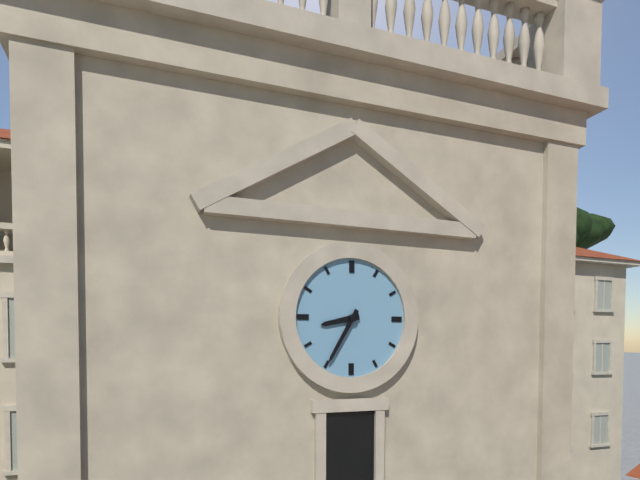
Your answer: 8,35
